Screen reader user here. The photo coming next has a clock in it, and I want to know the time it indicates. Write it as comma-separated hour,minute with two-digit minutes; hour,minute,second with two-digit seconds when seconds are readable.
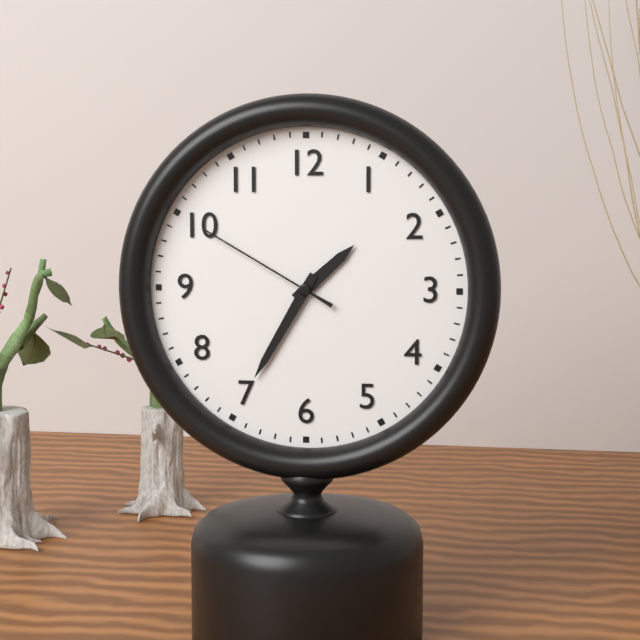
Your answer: 1,35,50
